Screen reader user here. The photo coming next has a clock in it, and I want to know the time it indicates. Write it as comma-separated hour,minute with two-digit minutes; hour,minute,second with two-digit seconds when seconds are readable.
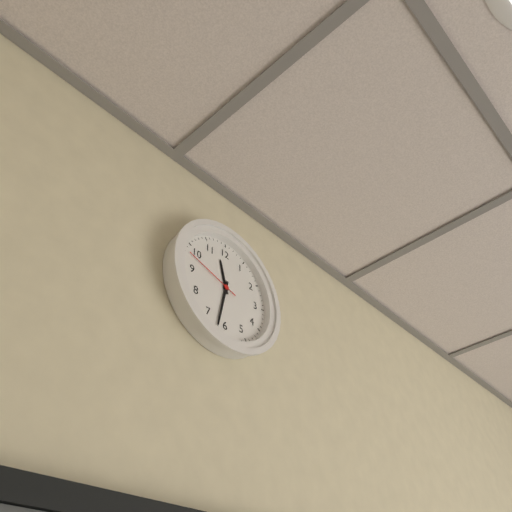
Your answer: 11,32,48
